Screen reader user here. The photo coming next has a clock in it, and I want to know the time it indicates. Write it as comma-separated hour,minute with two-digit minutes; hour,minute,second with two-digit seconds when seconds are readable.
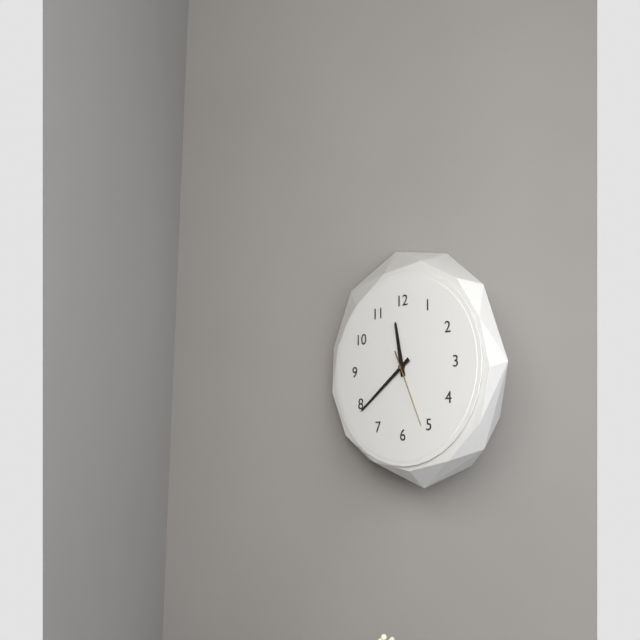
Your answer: 11,39,26
